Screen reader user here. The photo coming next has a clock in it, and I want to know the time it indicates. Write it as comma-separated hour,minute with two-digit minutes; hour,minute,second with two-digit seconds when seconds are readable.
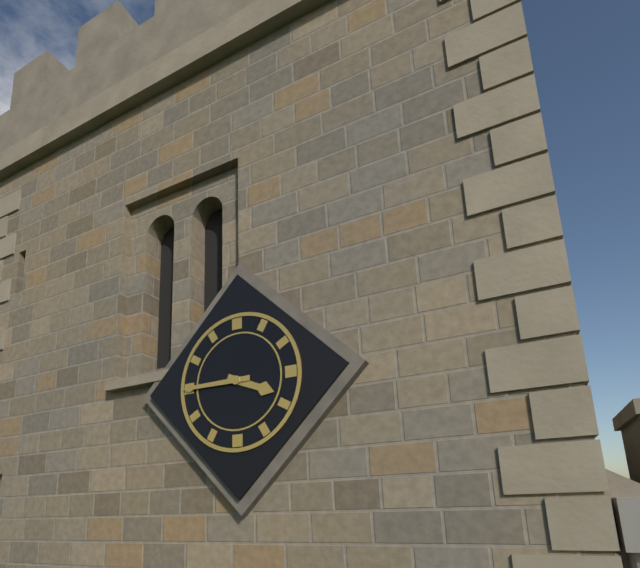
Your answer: 3,45
